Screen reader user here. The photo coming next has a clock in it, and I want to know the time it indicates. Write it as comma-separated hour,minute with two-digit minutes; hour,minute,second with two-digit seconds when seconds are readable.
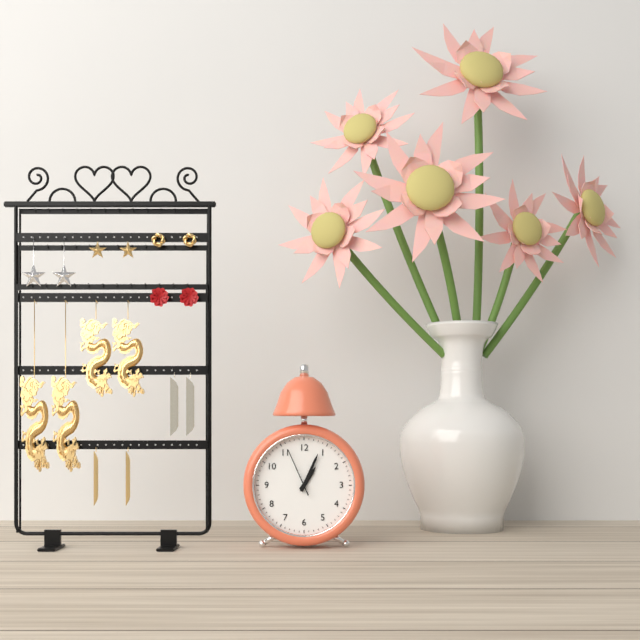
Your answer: 1,04
